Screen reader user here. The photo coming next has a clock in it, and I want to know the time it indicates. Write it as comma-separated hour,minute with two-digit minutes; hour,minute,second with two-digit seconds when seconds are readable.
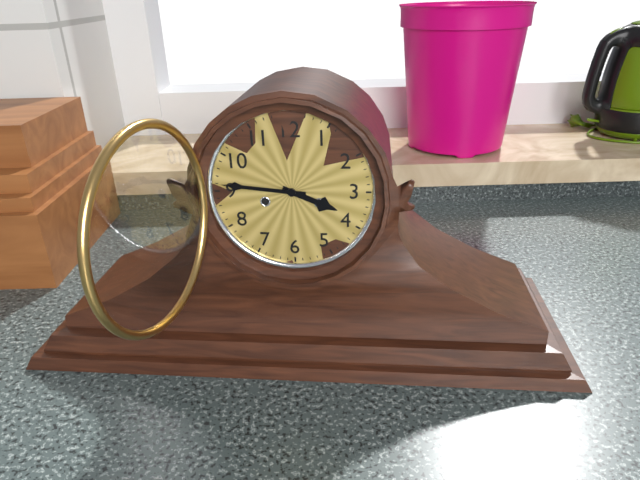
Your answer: 3,46
